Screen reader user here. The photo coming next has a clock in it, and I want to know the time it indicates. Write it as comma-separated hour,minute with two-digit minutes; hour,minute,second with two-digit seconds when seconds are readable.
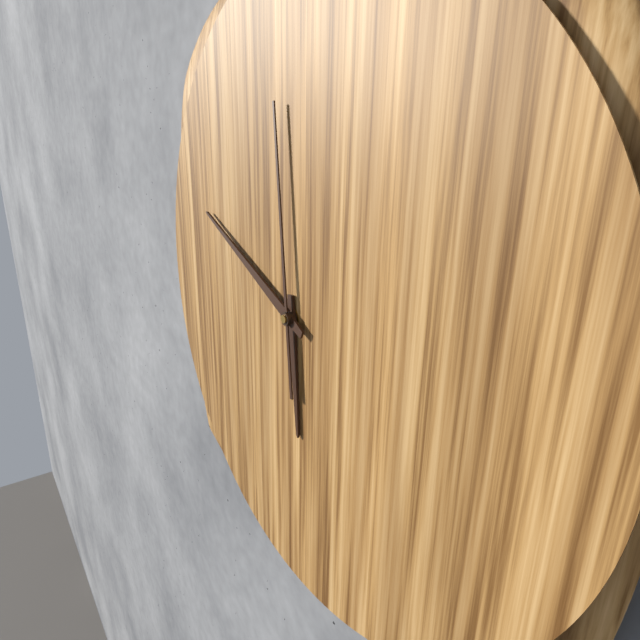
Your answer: 5,49,59
